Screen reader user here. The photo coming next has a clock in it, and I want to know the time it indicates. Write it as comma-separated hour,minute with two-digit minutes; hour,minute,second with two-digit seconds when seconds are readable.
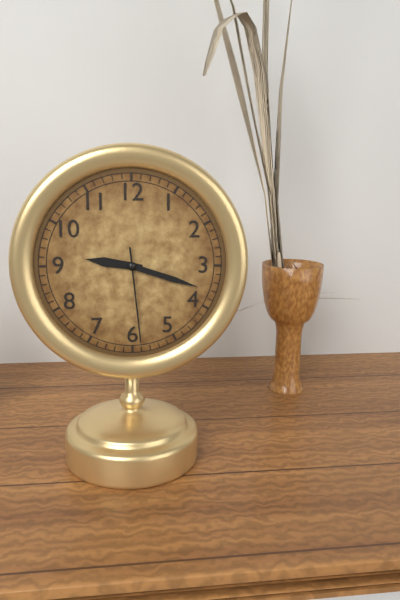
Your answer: 9,18,29
